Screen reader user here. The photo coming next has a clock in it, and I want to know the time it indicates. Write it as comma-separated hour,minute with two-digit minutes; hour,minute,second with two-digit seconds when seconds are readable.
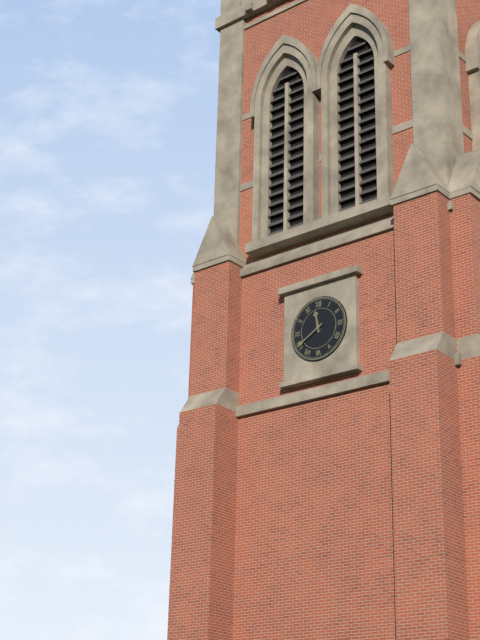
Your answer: 11,40
